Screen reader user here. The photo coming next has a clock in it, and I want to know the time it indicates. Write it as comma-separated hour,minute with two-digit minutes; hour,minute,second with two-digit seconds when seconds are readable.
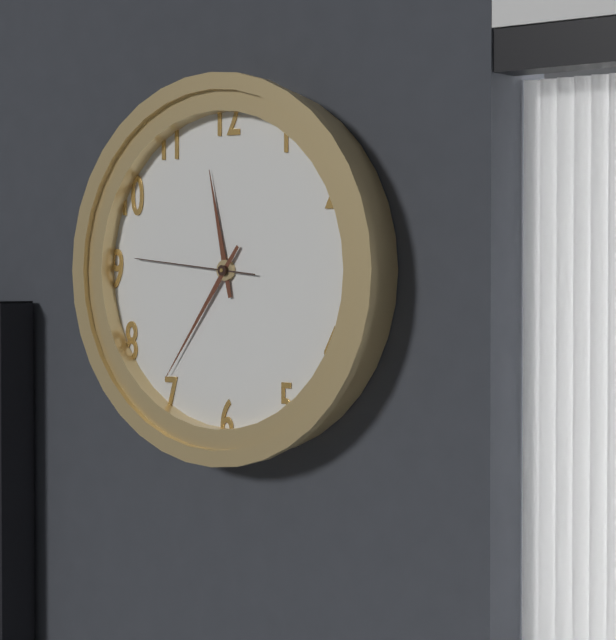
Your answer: 11,36,46
